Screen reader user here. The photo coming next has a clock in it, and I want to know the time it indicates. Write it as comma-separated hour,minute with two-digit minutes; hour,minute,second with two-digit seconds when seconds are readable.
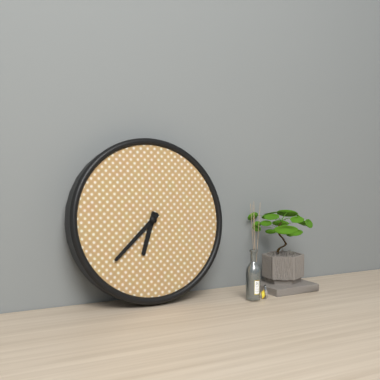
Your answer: 6,38
